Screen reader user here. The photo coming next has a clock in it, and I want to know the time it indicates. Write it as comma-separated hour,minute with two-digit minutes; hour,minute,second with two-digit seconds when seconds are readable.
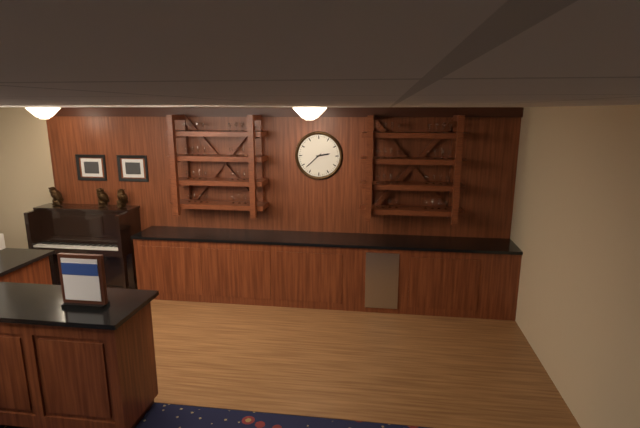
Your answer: 2,38
